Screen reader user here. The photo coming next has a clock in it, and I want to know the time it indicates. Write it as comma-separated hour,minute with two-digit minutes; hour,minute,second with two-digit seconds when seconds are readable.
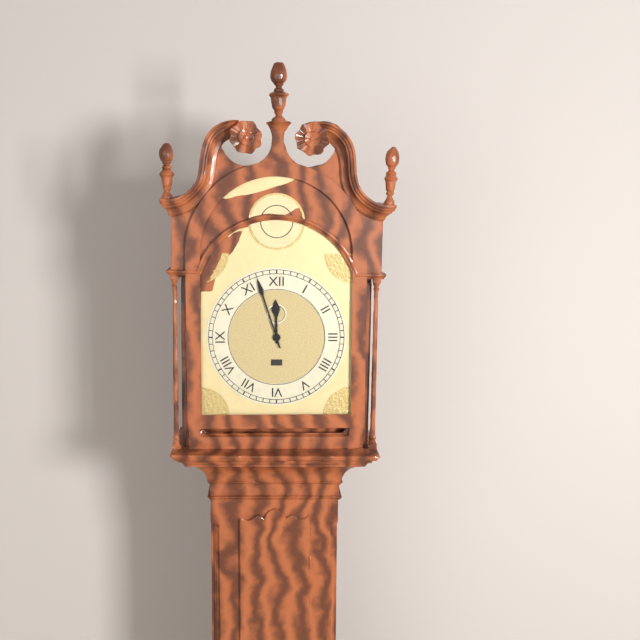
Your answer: 11,57
